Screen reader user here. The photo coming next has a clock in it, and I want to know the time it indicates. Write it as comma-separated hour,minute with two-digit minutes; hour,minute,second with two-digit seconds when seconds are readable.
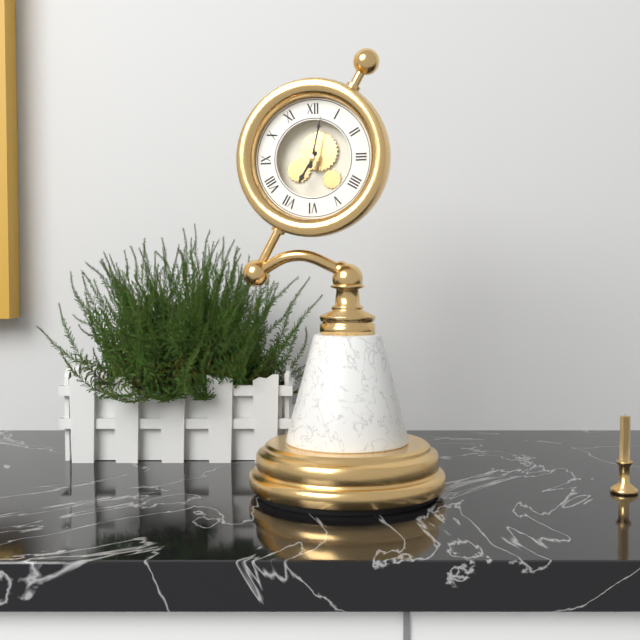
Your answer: 7,02
